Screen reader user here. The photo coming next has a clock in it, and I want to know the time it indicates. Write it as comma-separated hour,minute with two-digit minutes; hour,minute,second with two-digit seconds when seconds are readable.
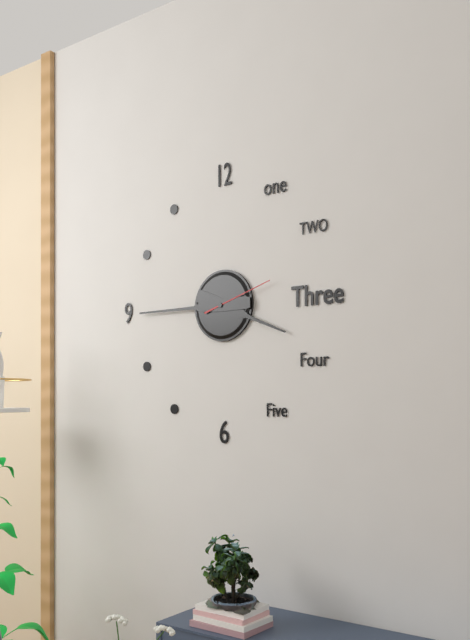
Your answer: 3,45,12
